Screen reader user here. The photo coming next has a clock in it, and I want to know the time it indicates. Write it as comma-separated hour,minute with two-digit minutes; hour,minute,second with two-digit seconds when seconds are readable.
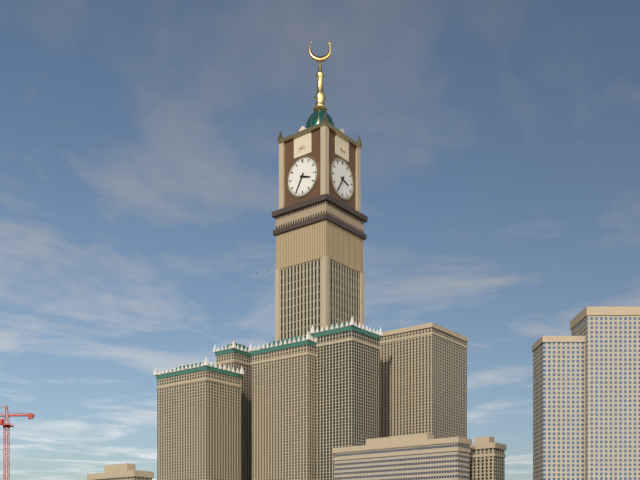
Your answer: 3,35
